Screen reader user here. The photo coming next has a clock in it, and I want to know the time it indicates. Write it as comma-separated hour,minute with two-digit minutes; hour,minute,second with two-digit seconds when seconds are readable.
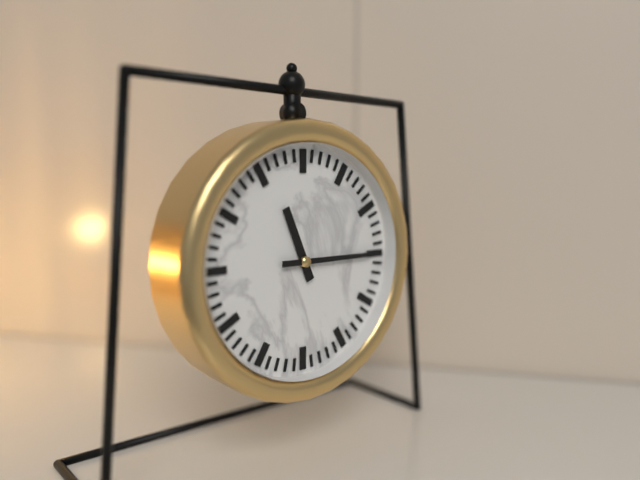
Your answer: 11,15
